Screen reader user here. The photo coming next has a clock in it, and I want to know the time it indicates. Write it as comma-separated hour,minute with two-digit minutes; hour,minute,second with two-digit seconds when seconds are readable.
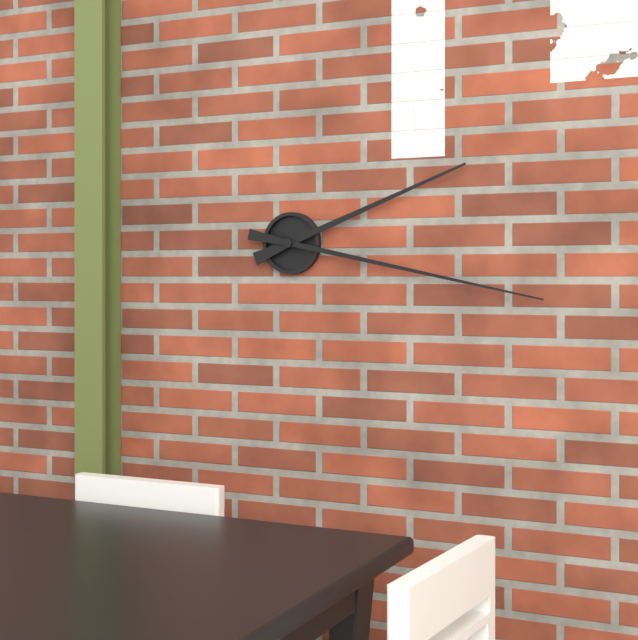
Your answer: 2,17
